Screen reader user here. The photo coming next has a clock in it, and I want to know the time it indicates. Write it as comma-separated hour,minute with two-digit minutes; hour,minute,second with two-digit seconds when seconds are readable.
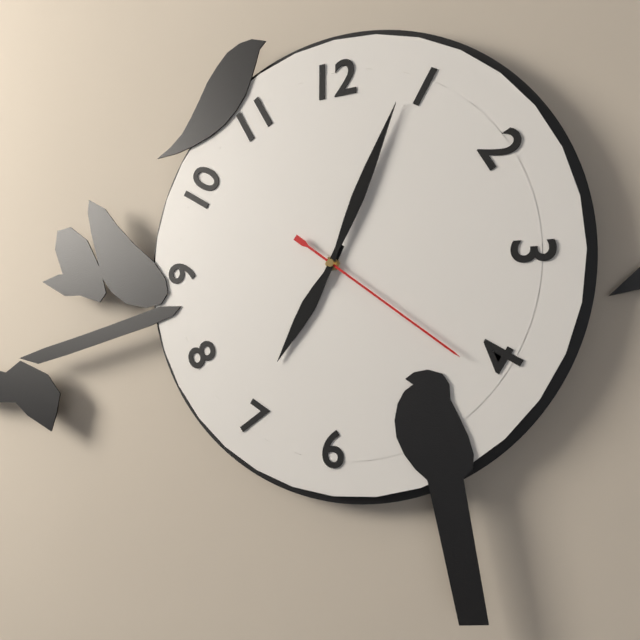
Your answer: 7,04,21
